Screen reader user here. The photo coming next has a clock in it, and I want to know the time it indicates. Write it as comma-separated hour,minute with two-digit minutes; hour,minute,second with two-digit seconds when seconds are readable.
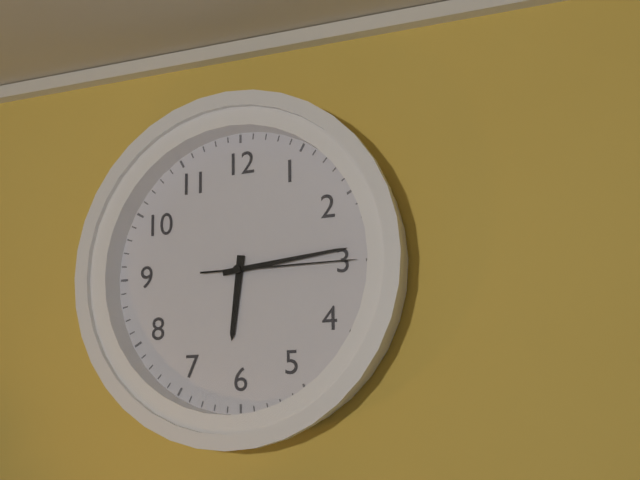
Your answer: 6,14,15
